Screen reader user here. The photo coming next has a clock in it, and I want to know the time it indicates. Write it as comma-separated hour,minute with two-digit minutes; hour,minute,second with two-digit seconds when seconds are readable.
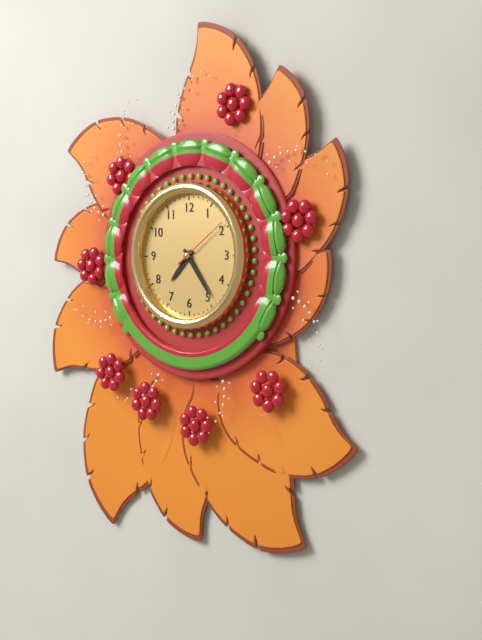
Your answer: 7,24,09
